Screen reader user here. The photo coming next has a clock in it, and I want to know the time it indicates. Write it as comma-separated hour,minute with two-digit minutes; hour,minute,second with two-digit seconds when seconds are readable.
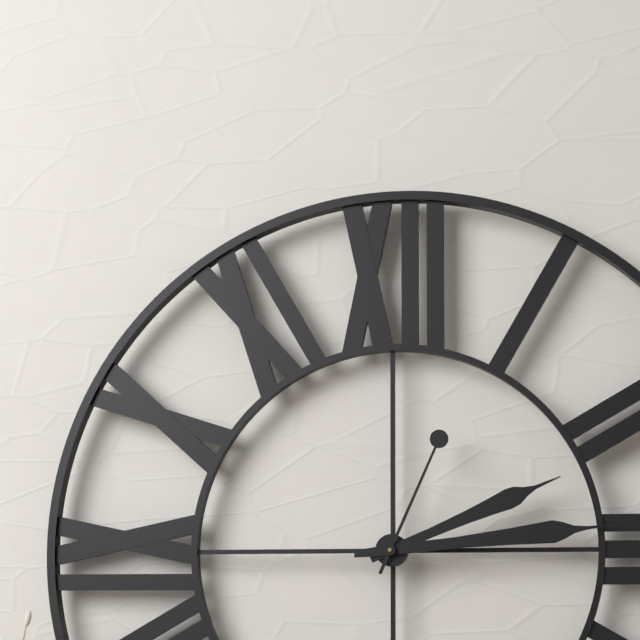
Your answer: 2,14,04
